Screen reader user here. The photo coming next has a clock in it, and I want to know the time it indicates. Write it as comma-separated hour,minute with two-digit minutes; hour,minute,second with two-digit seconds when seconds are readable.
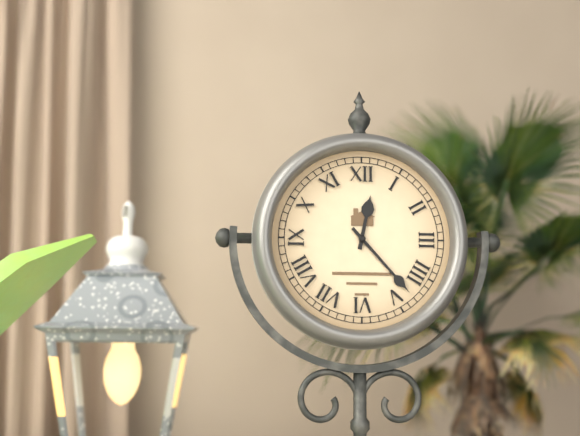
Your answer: 12,23
